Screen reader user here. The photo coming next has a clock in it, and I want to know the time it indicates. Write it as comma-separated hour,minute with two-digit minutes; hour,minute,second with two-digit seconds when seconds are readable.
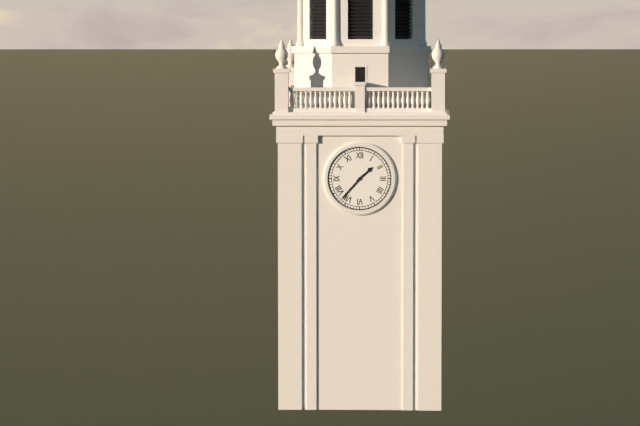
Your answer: 1,37
